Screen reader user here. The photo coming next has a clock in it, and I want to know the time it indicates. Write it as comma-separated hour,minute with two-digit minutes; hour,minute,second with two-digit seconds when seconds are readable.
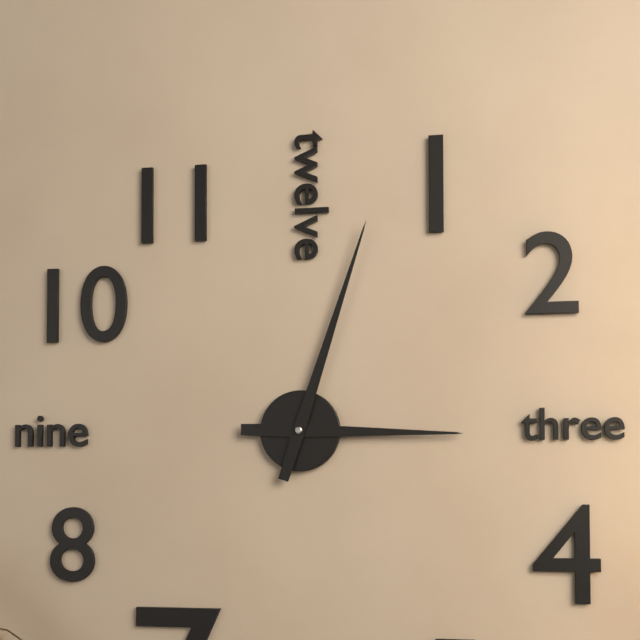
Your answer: 3,03
